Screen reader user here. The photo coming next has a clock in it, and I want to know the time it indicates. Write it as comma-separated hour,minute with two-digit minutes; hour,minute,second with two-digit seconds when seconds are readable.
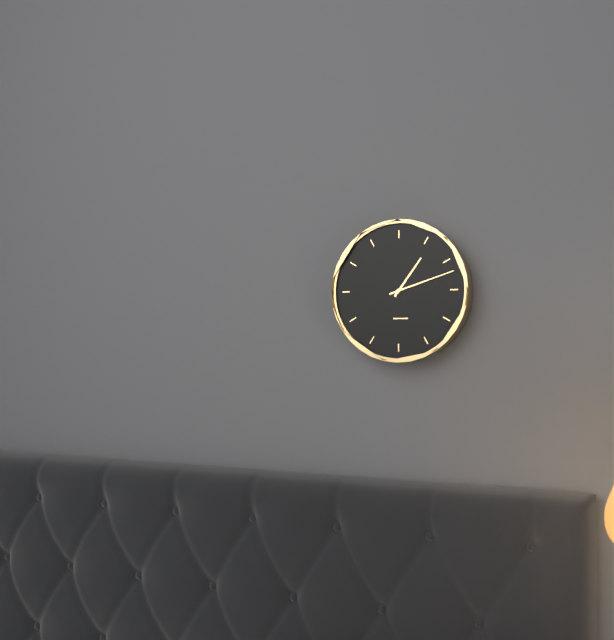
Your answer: 1,12
